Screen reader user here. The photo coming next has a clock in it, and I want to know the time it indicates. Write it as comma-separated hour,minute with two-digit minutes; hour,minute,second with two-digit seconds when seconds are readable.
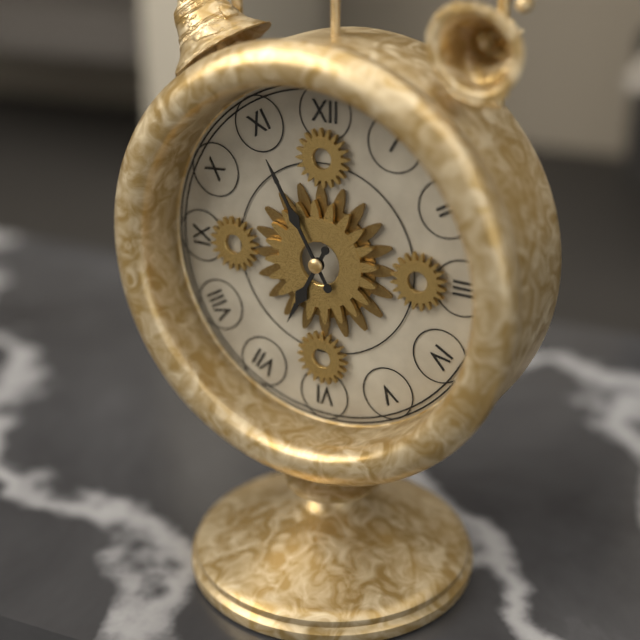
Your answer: 6,55
